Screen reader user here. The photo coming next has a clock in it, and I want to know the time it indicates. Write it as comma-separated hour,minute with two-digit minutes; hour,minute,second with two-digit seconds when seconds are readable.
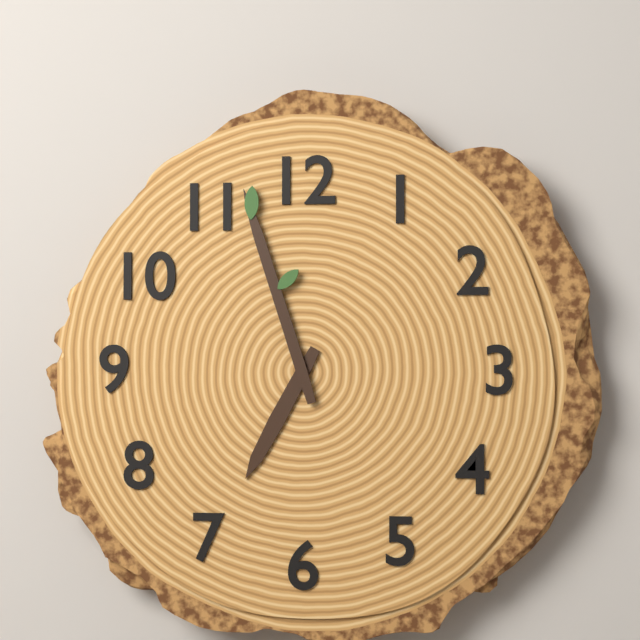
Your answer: 6,57
